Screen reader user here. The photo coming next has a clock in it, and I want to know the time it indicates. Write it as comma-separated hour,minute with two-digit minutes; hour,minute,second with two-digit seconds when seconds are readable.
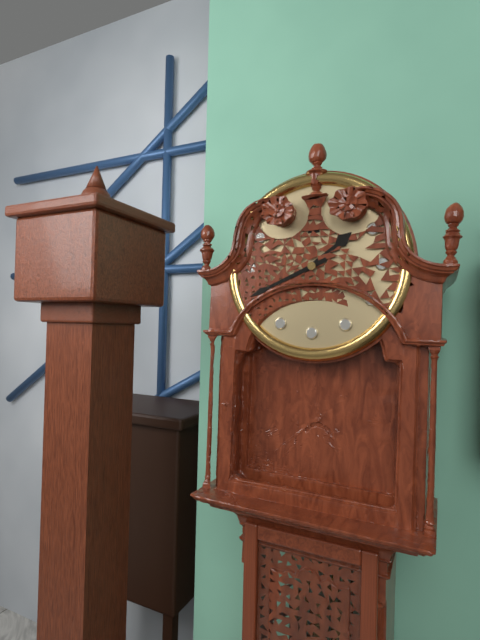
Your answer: 1,41
